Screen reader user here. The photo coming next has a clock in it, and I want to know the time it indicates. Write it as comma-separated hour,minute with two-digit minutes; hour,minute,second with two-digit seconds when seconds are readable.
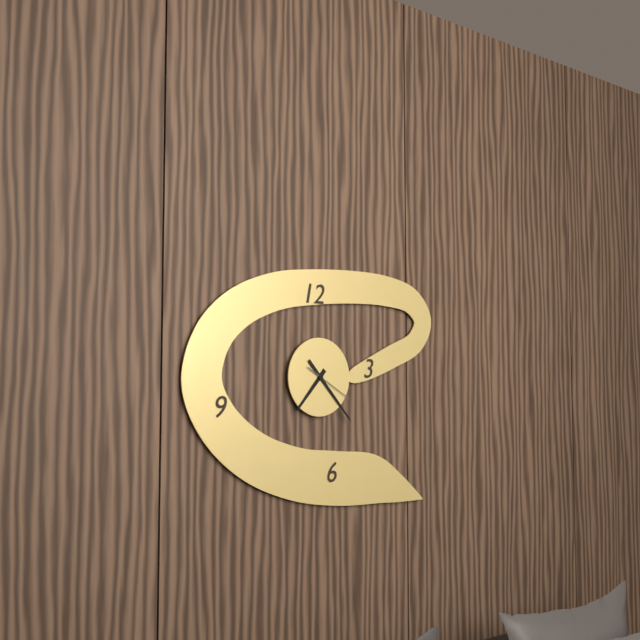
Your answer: 7,23
